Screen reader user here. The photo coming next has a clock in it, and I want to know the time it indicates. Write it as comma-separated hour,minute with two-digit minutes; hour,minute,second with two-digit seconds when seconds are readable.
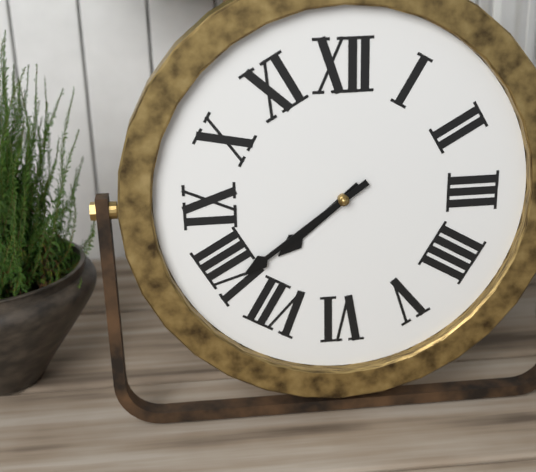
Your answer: 7,39
